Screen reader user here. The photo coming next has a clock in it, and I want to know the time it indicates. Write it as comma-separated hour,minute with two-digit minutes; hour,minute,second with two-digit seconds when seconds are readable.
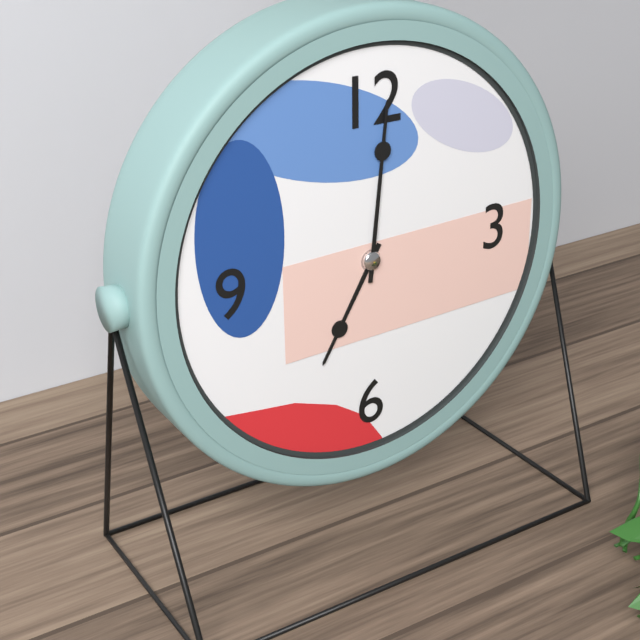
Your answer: 7,01
